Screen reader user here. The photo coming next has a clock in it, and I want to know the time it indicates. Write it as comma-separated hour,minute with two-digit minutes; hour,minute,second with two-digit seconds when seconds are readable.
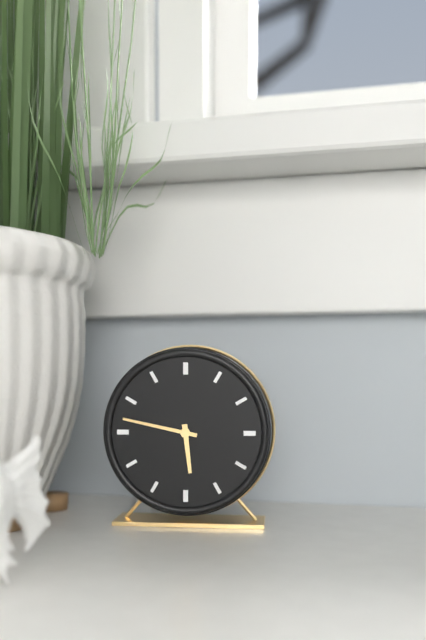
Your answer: 5,47
